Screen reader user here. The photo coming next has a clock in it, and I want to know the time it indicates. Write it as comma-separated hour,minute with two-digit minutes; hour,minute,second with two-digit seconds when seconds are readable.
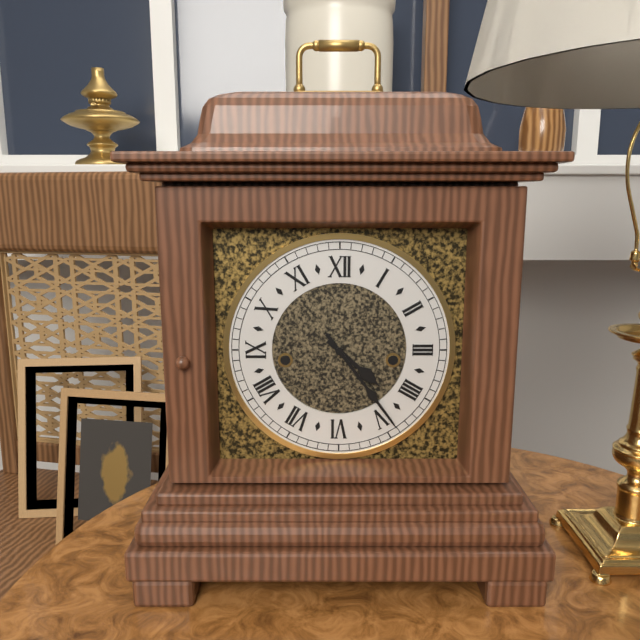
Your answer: 4,24
